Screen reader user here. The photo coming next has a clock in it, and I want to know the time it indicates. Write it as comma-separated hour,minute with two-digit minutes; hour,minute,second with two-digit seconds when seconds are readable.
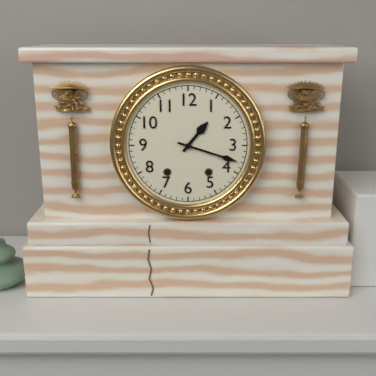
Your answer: 1,18
